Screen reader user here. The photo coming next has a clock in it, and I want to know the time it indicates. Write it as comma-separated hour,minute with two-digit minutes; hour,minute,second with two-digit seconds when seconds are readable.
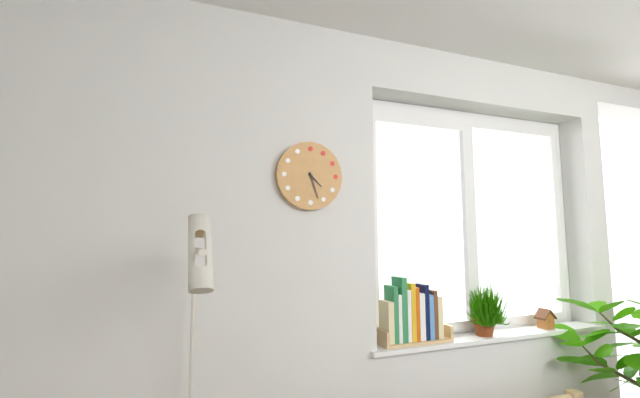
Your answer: 4,27
